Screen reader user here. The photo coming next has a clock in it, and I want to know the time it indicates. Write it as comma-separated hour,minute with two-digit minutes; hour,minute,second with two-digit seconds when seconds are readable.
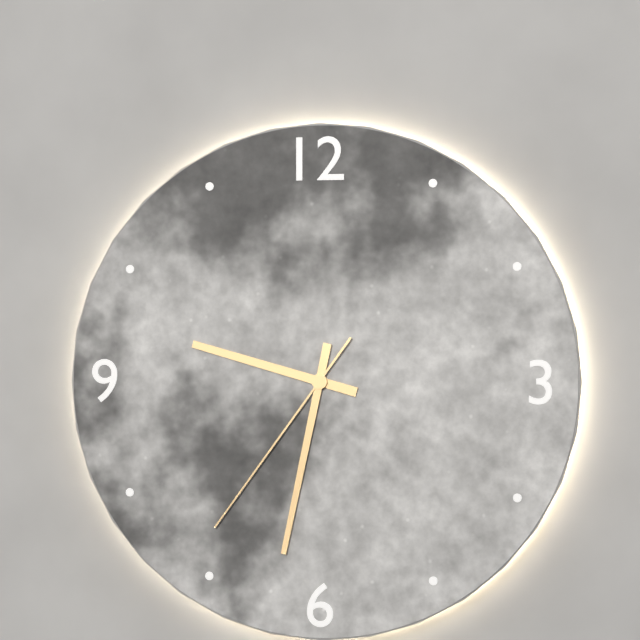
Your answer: 9,32,36
